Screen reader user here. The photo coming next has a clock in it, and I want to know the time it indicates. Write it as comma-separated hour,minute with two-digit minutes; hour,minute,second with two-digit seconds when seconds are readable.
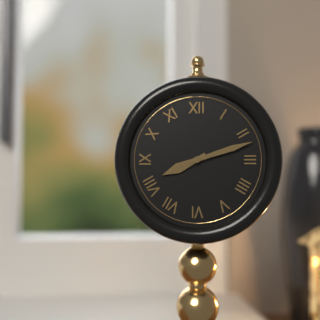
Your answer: 8,12
